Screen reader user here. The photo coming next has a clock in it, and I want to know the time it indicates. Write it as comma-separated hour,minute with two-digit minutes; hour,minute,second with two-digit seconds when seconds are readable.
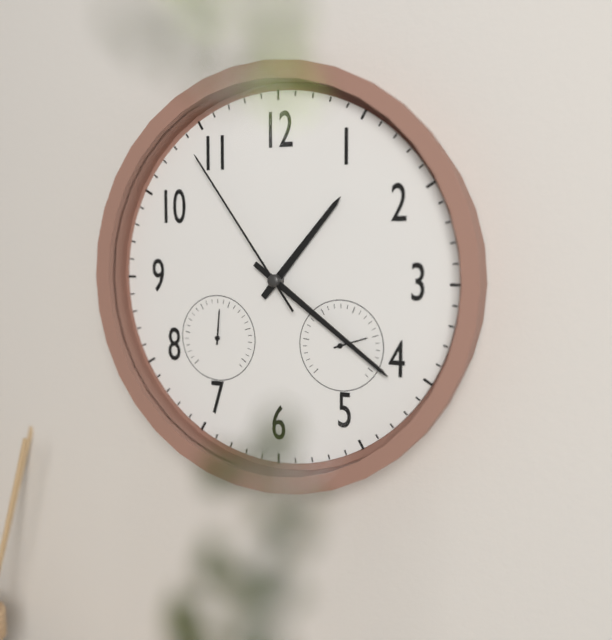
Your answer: 1,21,54
